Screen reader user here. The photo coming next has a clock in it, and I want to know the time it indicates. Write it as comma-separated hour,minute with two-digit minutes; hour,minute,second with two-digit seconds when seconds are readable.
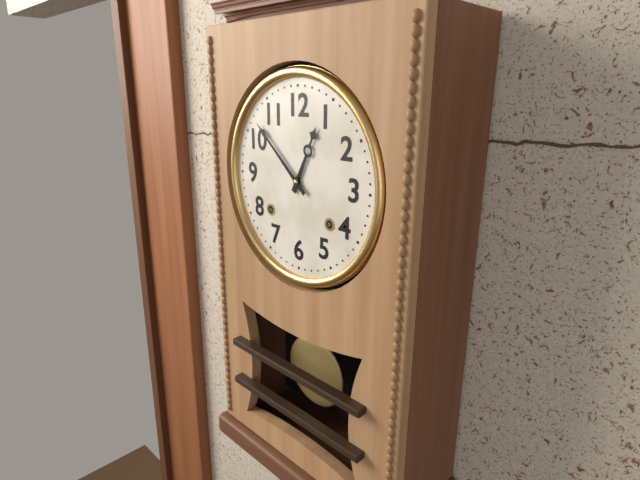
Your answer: 12,52
